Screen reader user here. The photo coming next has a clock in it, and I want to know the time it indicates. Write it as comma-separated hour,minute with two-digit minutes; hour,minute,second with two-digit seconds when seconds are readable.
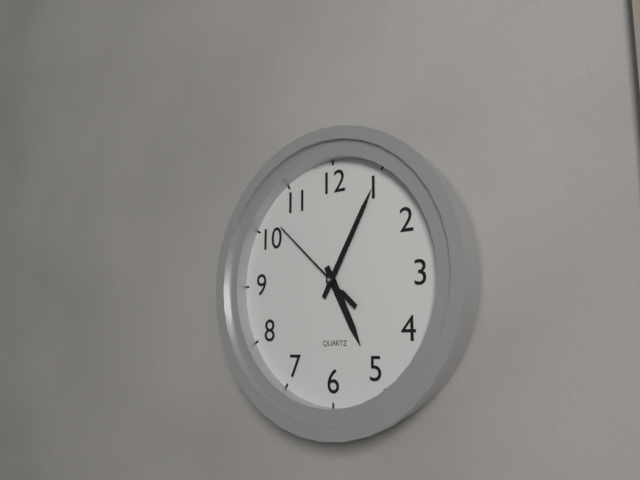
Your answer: 5,05,52
